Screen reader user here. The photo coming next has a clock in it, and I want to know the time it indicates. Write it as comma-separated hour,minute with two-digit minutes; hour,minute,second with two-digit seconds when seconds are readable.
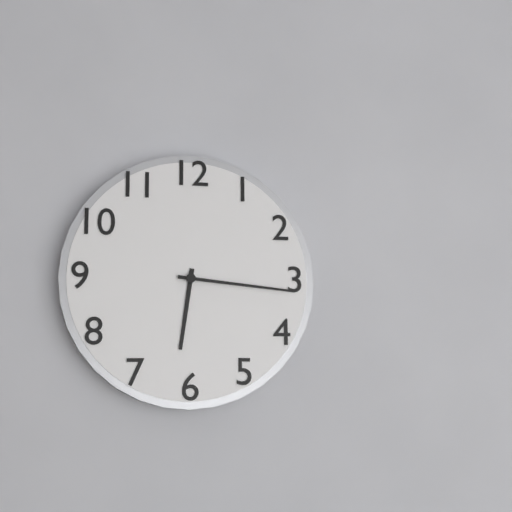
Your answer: 6,16
